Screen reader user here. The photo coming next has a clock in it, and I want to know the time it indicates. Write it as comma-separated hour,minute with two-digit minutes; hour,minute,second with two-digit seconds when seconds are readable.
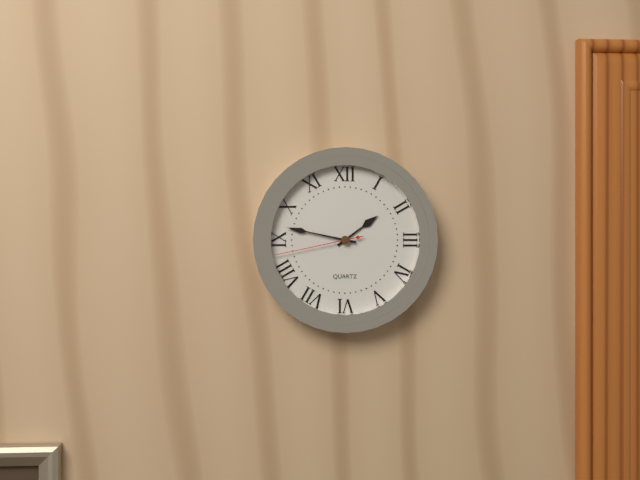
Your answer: 1,47,43
